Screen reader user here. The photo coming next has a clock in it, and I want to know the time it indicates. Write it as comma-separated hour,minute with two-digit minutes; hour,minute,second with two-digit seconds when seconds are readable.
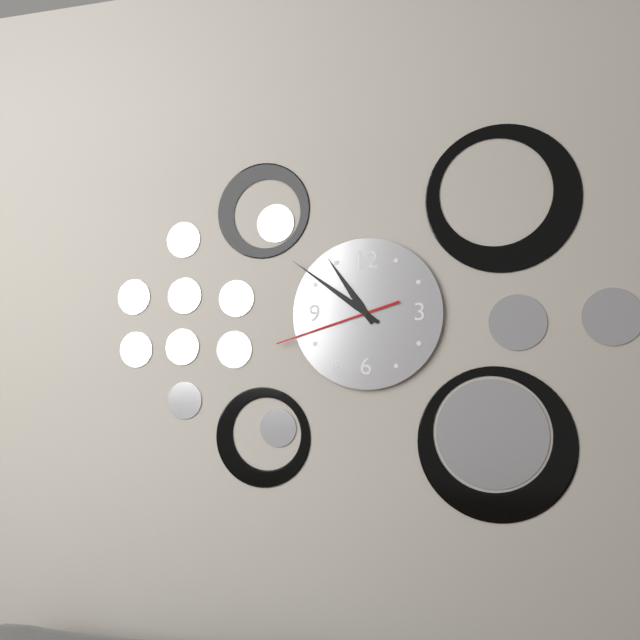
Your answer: 10,51,42
